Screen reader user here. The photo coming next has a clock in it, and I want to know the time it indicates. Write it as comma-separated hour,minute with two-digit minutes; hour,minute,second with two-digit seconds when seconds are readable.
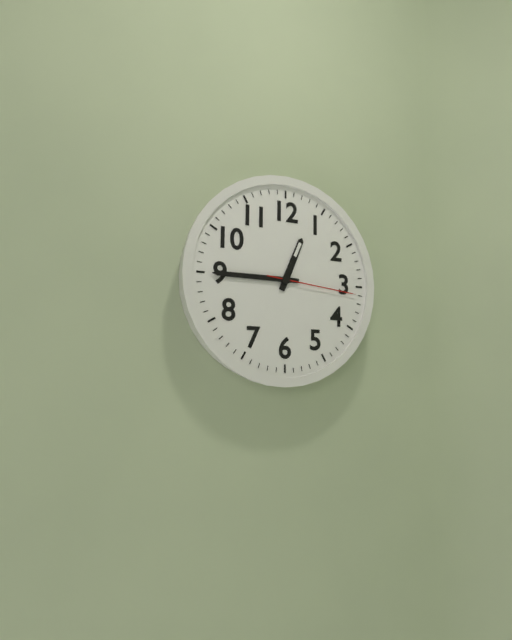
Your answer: 12,45,16
